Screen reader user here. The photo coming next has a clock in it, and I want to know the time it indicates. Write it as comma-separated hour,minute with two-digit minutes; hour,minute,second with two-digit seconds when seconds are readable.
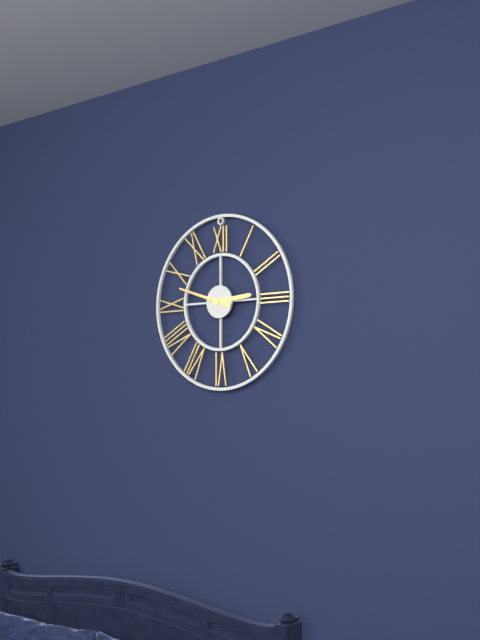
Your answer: 2,48
